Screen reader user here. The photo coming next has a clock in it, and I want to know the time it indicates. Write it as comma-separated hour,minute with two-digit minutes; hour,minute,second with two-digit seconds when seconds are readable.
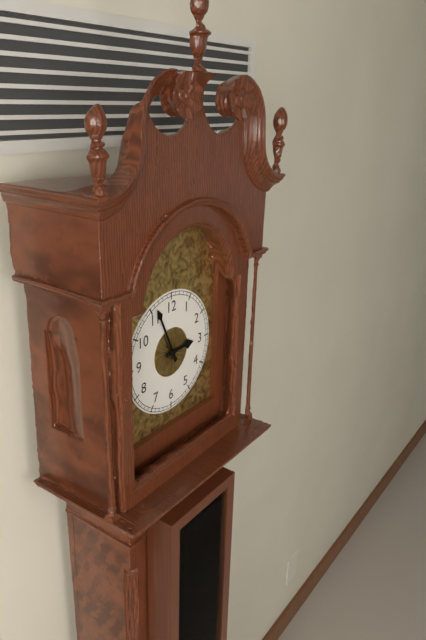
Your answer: 2,56
